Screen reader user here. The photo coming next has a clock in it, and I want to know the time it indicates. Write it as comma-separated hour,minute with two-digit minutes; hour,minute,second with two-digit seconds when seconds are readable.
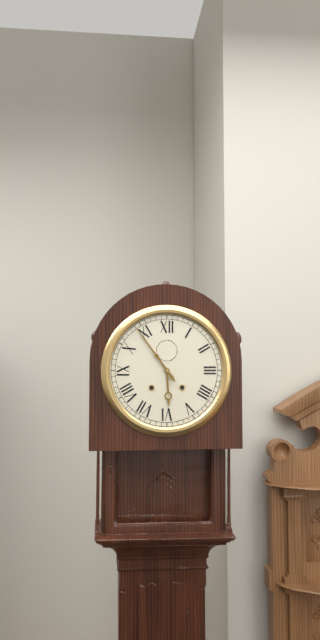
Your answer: 5,54
